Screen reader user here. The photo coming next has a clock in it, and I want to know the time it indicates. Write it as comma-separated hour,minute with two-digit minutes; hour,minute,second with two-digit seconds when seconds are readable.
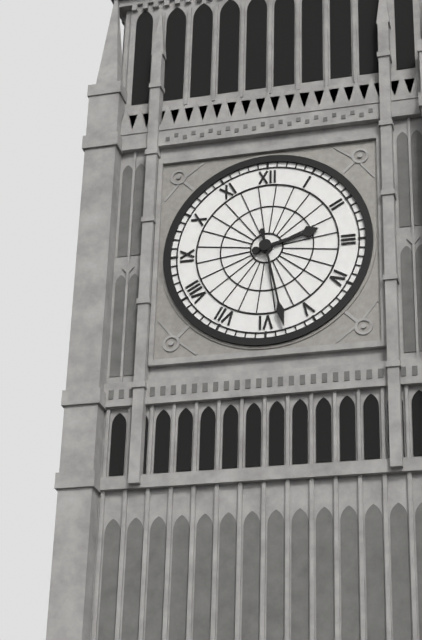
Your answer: 2,28
